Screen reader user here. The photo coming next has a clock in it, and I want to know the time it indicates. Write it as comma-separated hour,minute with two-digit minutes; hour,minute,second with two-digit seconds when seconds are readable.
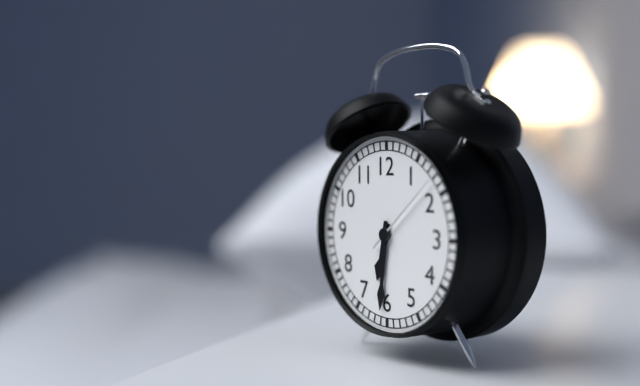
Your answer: 6,31,08
